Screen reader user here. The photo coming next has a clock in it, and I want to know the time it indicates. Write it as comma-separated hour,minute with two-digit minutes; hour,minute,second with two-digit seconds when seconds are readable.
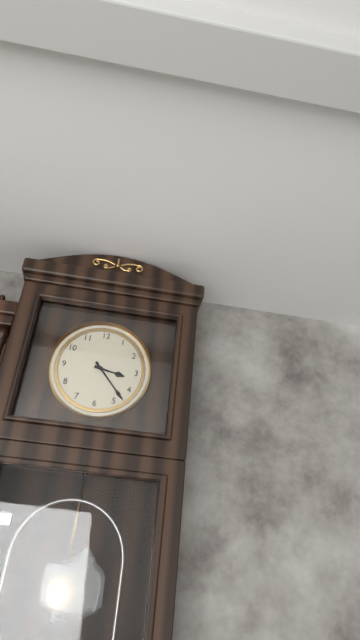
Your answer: 3,23
